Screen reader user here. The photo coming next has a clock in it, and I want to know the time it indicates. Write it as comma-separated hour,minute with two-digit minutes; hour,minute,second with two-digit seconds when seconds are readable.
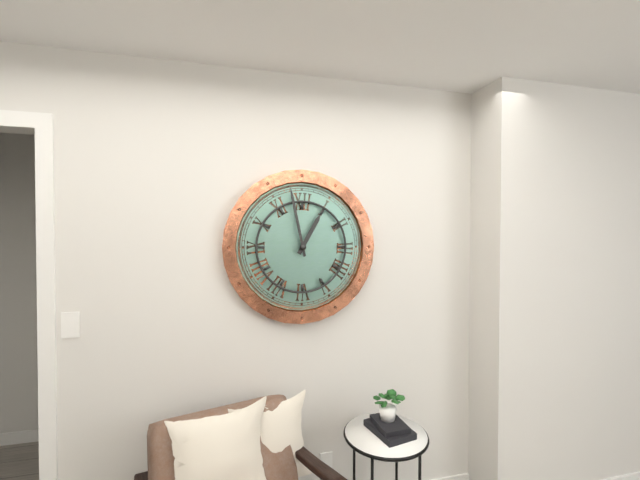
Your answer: 12,58
